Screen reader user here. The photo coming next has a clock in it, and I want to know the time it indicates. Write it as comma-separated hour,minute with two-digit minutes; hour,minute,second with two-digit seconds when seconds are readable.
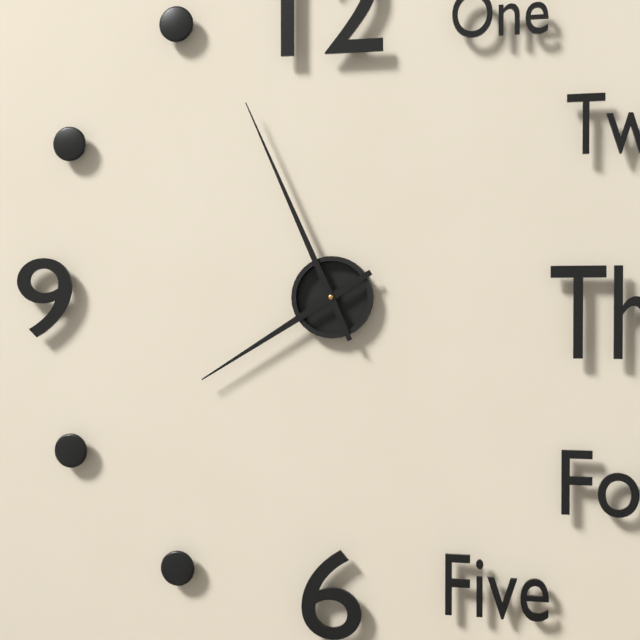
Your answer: 7,56
